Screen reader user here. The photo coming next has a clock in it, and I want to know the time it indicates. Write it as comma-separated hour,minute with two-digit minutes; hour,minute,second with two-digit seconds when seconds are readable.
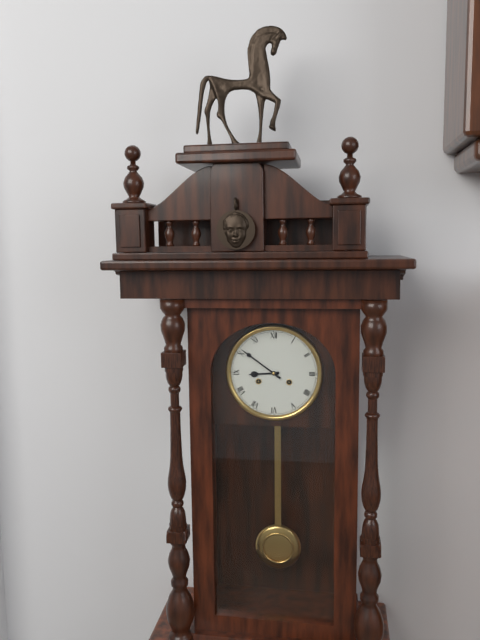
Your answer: 8,51
